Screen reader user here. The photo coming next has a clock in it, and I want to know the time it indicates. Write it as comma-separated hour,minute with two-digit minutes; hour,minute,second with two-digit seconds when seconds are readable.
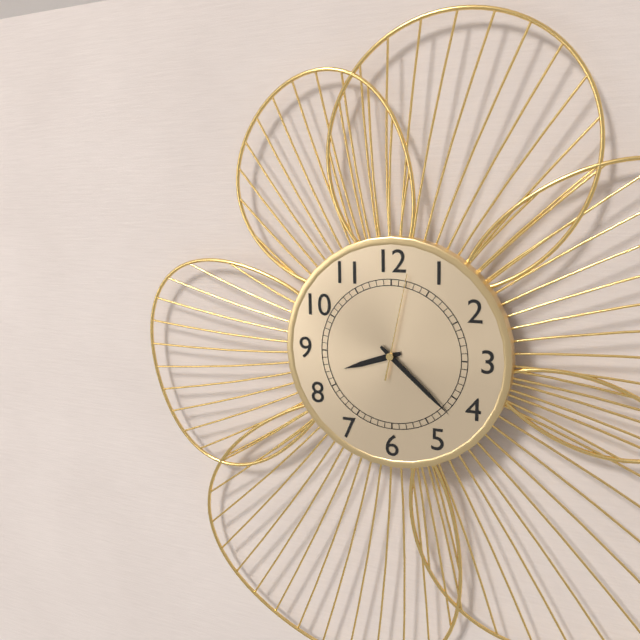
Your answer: 8,22,02
